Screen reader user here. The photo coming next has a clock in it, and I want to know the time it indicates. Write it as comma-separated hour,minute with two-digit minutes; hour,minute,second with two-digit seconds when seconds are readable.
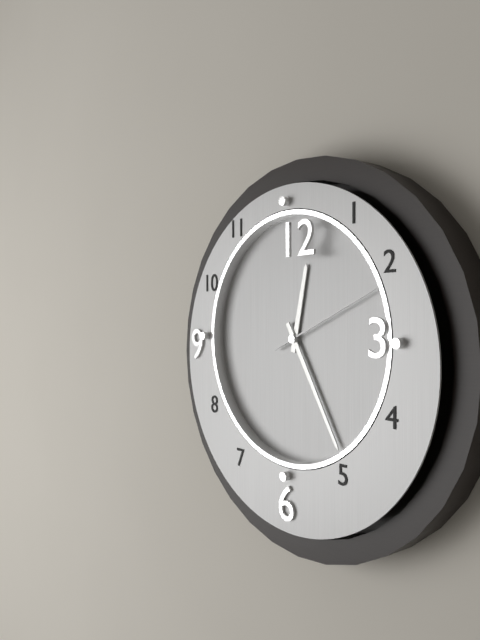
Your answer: 12,25,11
